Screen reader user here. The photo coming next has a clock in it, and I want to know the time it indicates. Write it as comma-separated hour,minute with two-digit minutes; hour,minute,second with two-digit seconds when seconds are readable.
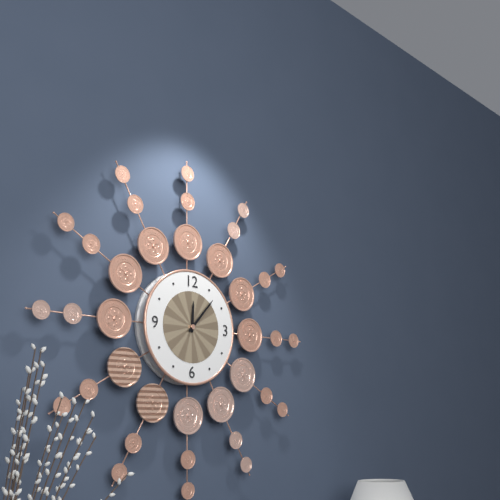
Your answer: 12,07
